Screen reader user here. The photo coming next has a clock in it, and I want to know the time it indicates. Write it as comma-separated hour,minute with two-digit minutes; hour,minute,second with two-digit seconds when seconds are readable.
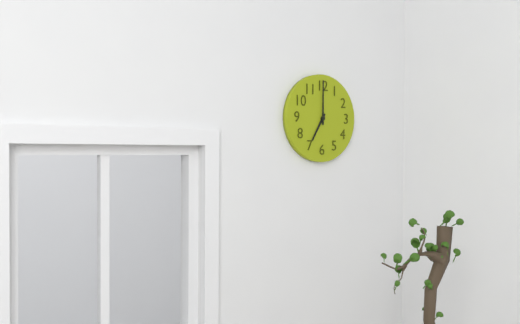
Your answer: 7,00
